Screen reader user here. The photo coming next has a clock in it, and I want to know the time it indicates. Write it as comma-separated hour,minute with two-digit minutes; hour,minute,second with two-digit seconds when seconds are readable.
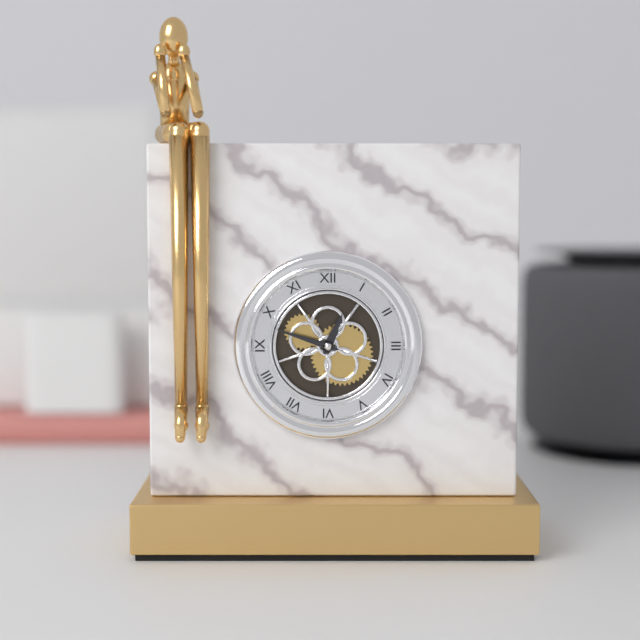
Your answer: 12,48
